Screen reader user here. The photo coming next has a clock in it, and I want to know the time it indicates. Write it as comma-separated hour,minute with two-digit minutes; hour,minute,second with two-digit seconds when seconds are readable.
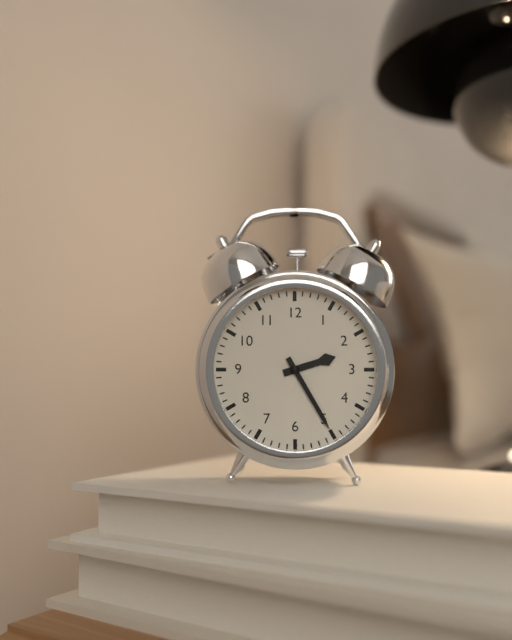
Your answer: 2,25
